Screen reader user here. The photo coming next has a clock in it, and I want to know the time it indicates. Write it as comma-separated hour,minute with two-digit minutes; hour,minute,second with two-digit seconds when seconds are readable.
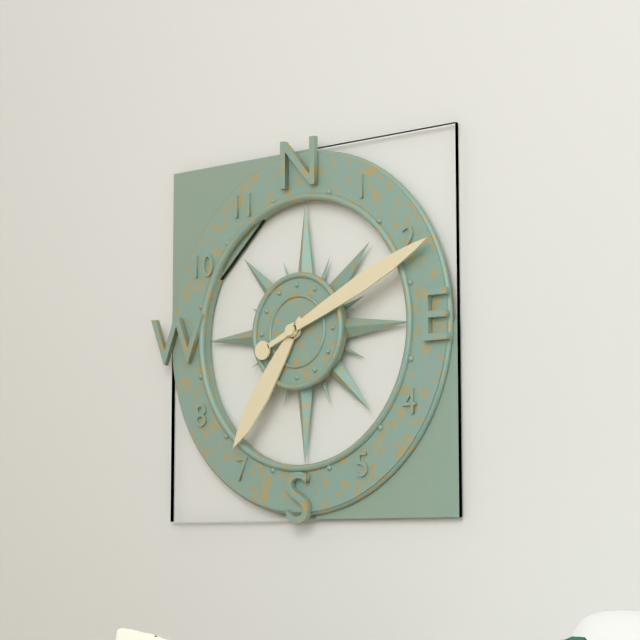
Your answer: 7,11
